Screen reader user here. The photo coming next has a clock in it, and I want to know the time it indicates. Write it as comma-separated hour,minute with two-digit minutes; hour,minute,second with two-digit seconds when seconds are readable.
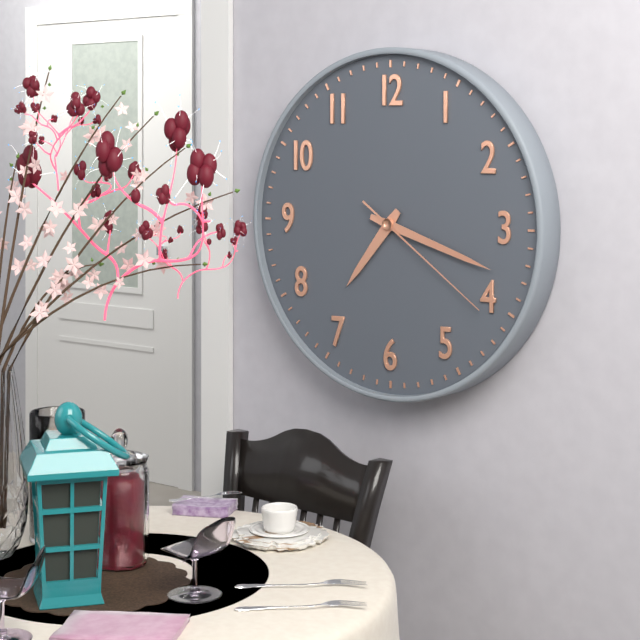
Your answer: 7,18,21
